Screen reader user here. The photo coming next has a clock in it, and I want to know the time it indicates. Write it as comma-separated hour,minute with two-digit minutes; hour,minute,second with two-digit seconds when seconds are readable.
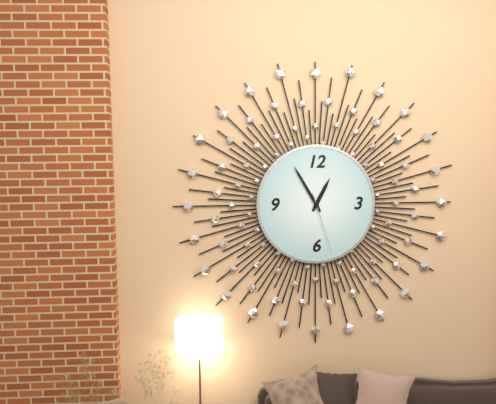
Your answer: 12,55,27
